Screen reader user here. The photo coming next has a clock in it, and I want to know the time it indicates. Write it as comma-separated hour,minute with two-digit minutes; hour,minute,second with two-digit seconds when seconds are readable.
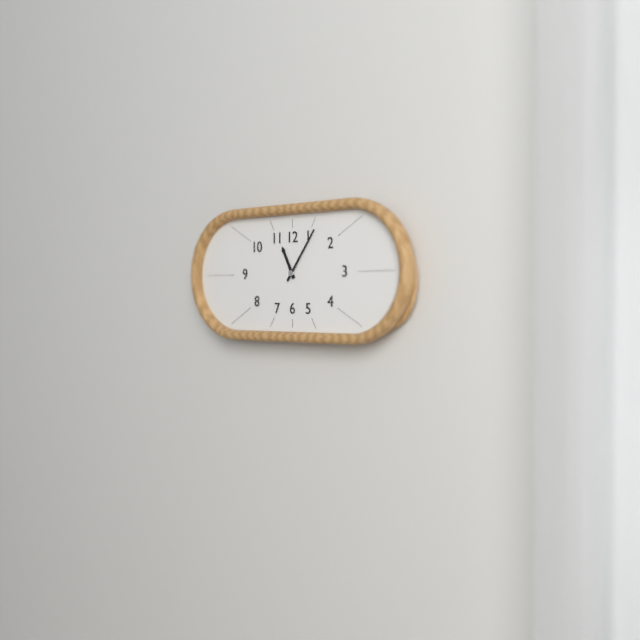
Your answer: 11,06
